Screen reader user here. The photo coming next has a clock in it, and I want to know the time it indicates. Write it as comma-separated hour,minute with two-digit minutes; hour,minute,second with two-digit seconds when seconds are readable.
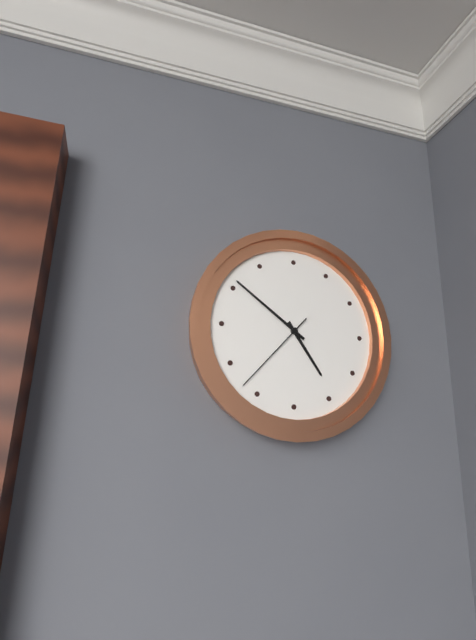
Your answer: 4,51,37
